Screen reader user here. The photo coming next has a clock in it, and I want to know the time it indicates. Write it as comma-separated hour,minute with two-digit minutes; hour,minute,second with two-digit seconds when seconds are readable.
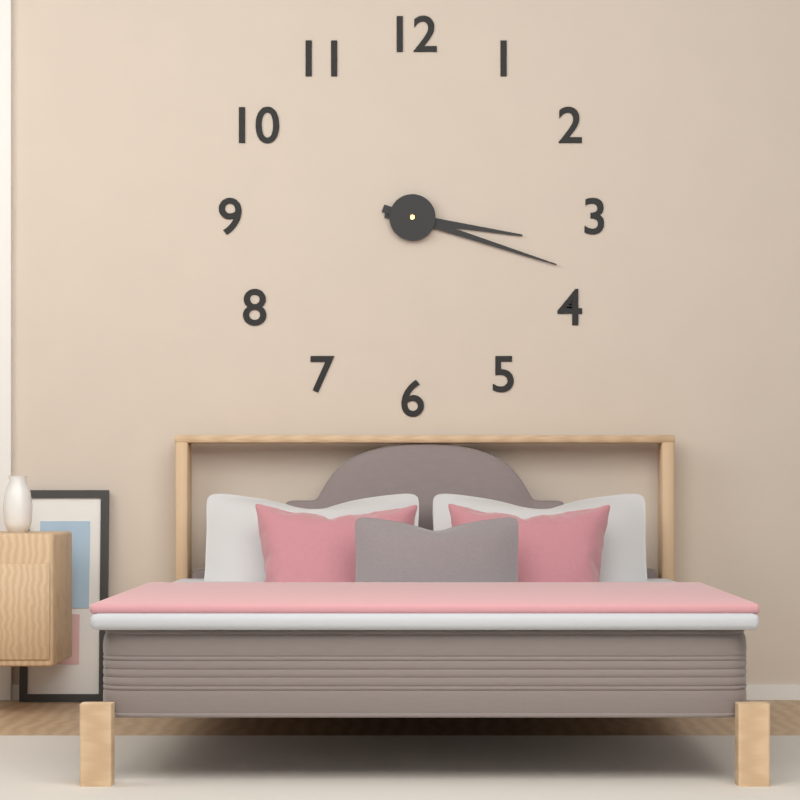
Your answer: 3,18
